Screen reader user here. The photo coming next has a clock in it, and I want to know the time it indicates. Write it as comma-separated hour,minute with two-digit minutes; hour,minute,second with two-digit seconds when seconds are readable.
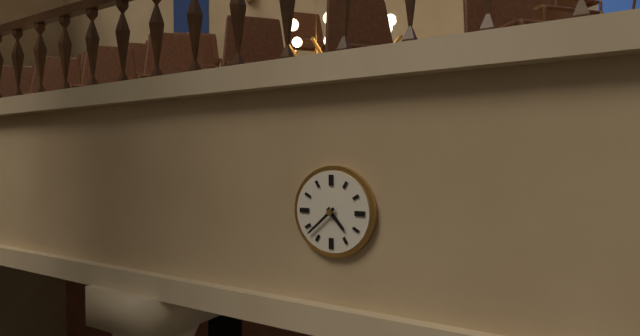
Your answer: 4,38
